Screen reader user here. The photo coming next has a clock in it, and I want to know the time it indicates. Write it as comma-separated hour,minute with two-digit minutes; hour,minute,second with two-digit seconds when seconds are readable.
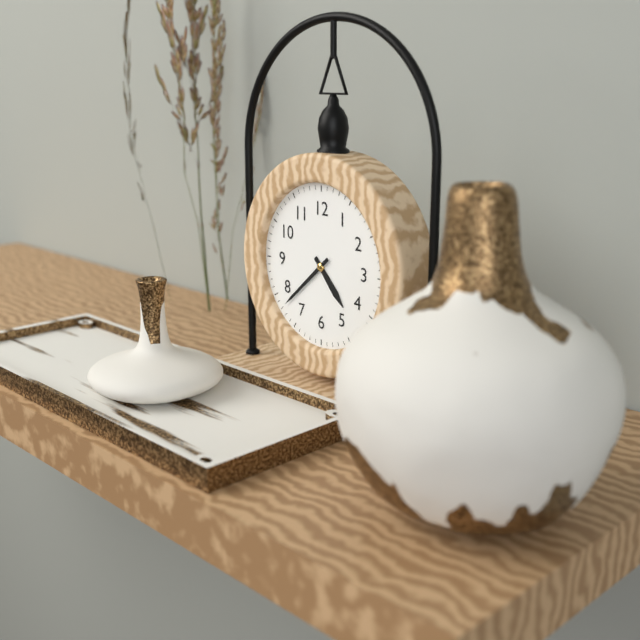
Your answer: 4,38
